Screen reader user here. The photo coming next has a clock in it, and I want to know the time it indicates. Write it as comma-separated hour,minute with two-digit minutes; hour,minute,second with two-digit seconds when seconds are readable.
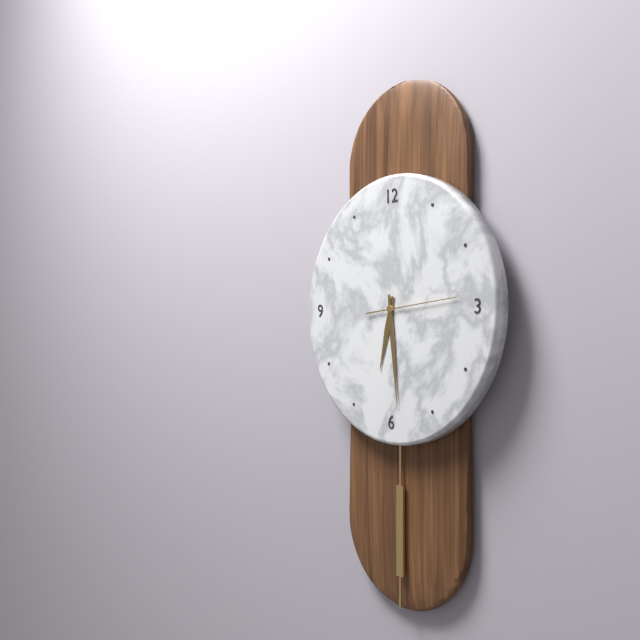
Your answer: 6,29,14
